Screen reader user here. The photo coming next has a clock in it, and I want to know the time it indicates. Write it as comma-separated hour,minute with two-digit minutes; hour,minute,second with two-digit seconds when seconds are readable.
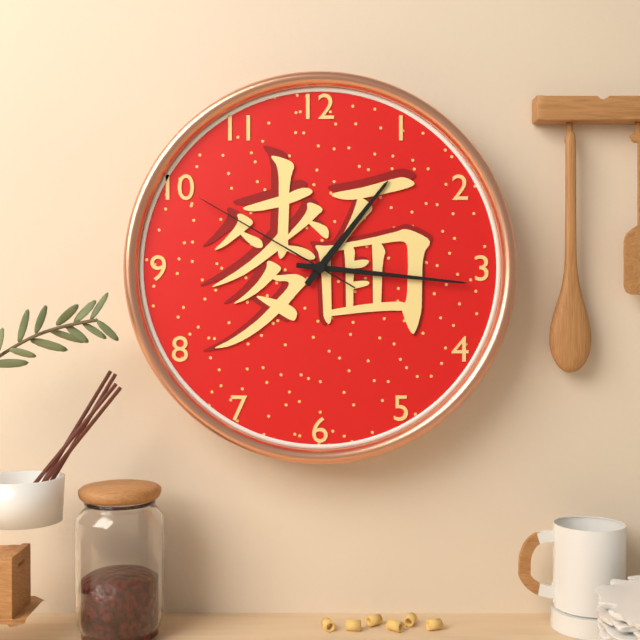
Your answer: 1,16,50
